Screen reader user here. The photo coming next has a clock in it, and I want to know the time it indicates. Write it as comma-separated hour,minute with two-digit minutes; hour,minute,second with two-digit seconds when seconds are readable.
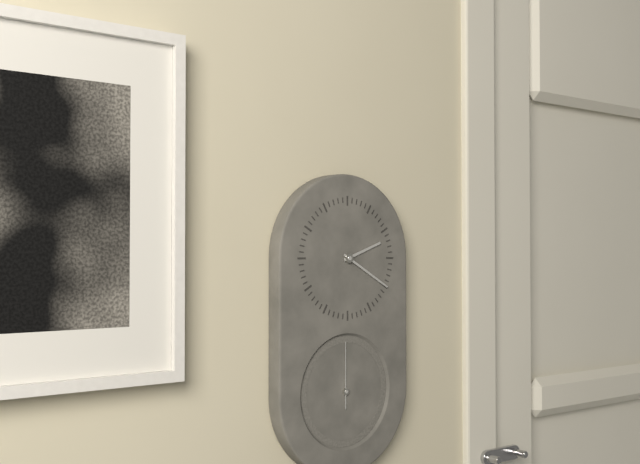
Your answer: 2,20,00
